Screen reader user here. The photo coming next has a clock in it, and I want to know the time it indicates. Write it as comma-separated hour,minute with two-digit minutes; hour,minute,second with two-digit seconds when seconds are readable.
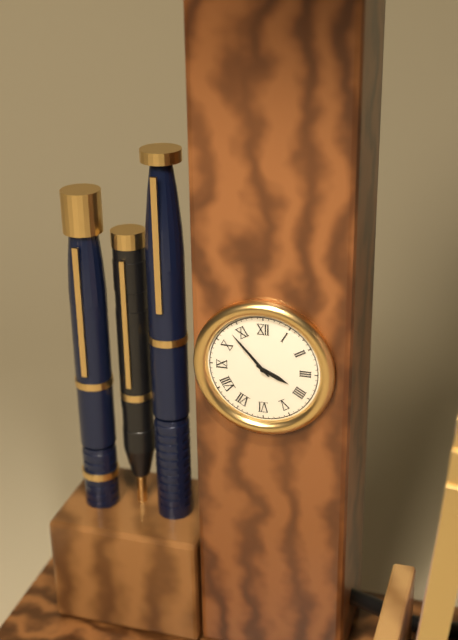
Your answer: 3,53
